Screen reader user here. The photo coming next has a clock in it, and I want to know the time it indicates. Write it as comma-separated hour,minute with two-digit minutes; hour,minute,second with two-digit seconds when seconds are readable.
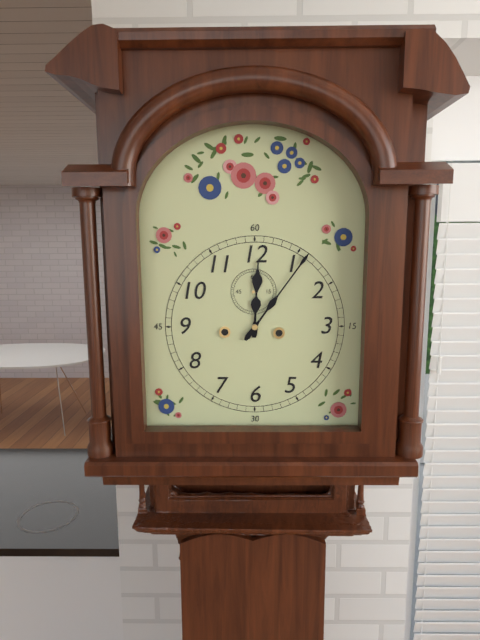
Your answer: 12,06
